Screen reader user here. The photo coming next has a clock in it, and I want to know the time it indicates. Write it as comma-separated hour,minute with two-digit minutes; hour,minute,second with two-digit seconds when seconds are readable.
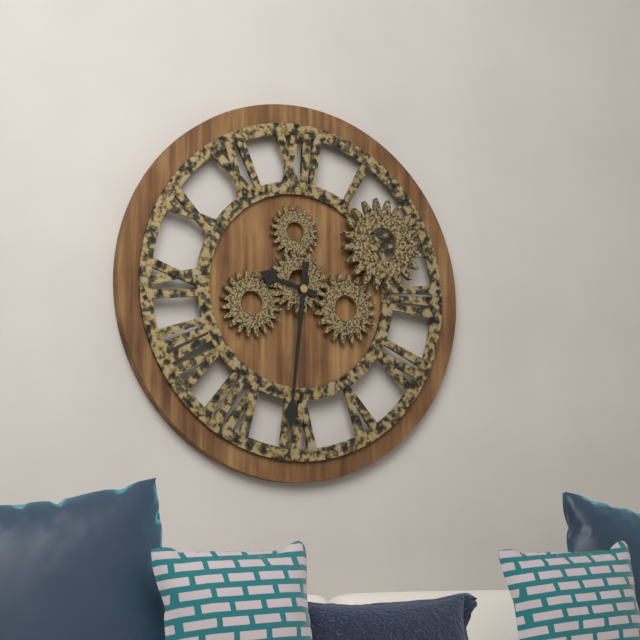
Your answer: 9,31
